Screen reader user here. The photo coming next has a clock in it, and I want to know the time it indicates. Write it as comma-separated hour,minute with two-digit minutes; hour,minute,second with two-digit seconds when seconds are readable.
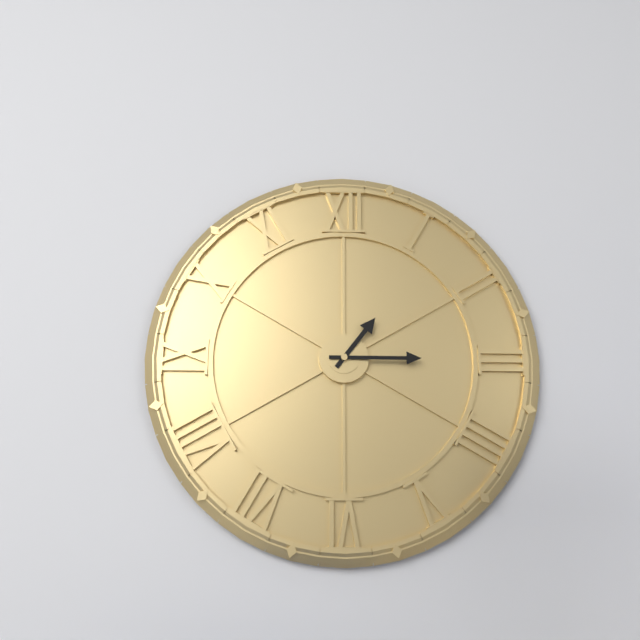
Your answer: 1,15
